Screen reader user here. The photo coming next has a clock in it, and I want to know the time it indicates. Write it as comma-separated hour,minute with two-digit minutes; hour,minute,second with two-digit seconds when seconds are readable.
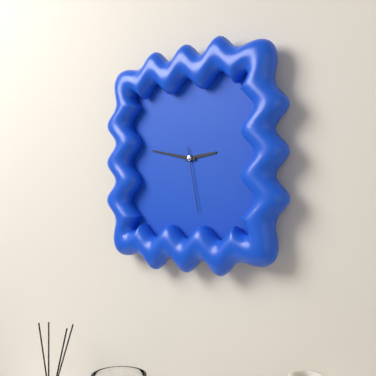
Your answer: 2,47,28
